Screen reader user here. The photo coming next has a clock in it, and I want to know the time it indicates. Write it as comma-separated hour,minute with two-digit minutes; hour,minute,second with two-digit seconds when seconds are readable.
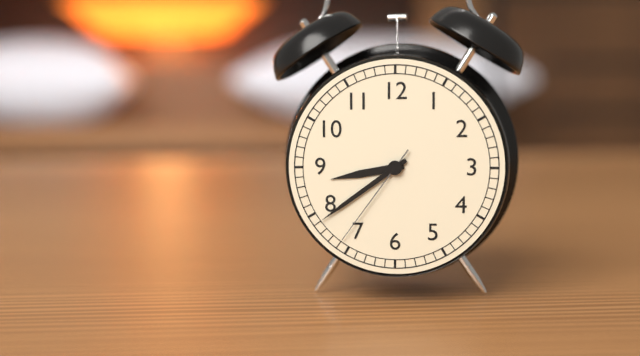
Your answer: 8,39,36
